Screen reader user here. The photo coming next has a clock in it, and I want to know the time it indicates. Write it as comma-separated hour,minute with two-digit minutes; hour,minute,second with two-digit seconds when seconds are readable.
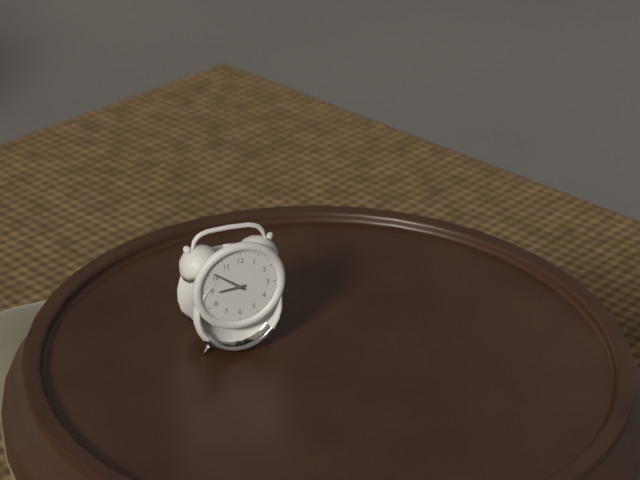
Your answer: 8,51
